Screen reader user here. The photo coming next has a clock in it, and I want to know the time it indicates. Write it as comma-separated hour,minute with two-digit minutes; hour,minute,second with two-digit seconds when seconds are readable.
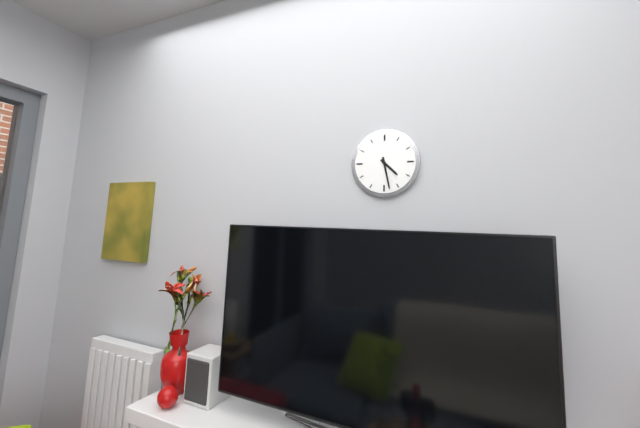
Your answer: 4,28
